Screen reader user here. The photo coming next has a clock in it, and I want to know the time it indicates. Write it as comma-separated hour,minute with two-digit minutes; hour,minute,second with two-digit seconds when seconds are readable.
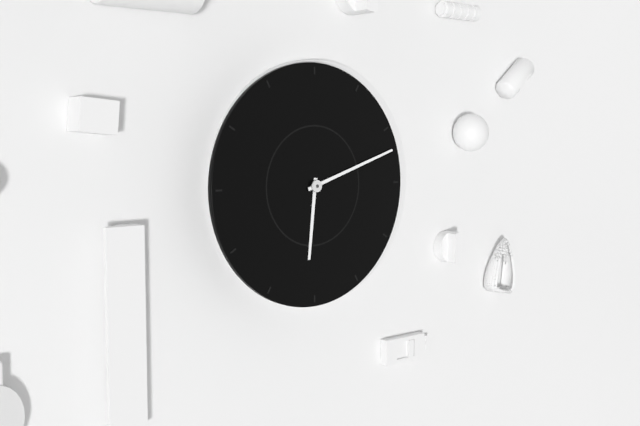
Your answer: 6,12
